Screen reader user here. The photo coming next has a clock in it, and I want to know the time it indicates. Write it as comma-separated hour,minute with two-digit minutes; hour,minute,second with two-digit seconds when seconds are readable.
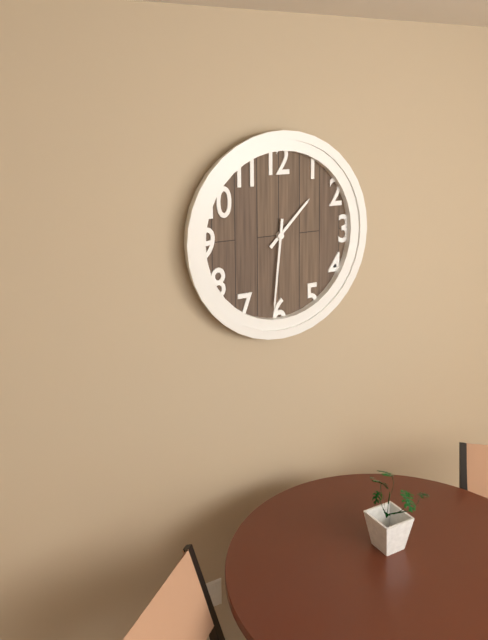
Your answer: 1,31
